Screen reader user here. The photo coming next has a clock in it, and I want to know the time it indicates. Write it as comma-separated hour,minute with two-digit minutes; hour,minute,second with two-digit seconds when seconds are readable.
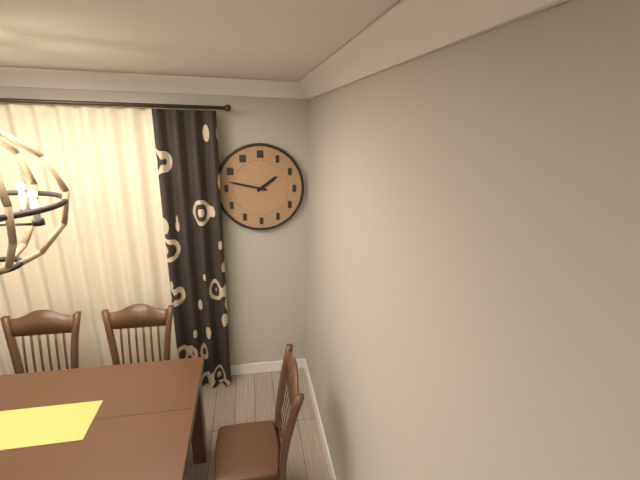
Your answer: 1,47
